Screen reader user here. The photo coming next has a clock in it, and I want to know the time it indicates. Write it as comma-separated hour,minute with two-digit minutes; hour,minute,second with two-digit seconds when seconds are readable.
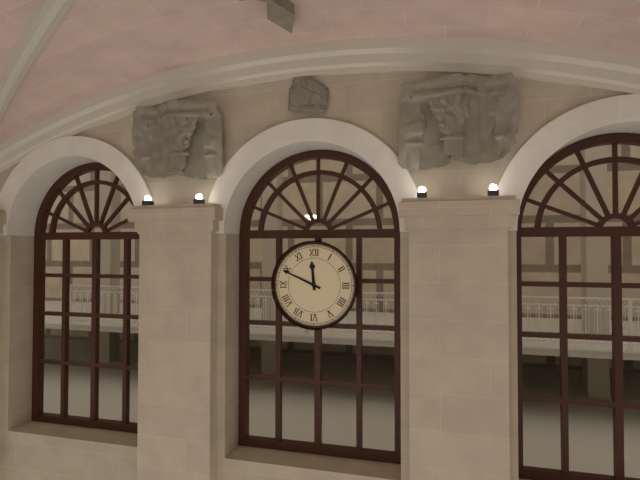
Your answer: 11,49
